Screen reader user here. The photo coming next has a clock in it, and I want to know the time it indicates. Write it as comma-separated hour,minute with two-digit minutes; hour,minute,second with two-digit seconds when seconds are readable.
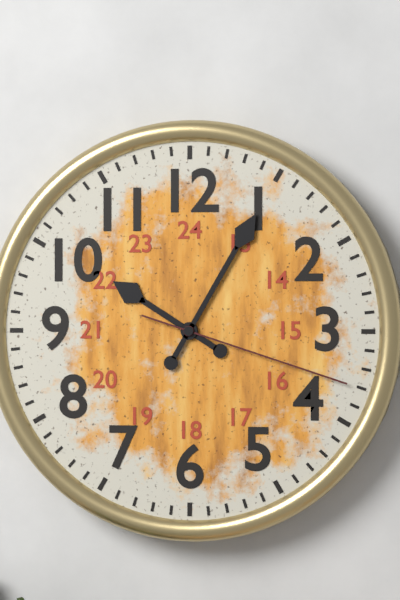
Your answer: 10,05,18
